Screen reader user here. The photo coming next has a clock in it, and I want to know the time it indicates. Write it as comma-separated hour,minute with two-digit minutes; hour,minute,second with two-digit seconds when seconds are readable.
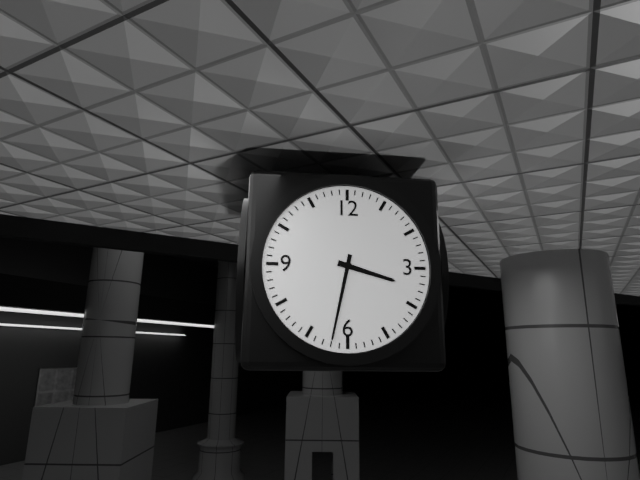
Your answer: 3,32
